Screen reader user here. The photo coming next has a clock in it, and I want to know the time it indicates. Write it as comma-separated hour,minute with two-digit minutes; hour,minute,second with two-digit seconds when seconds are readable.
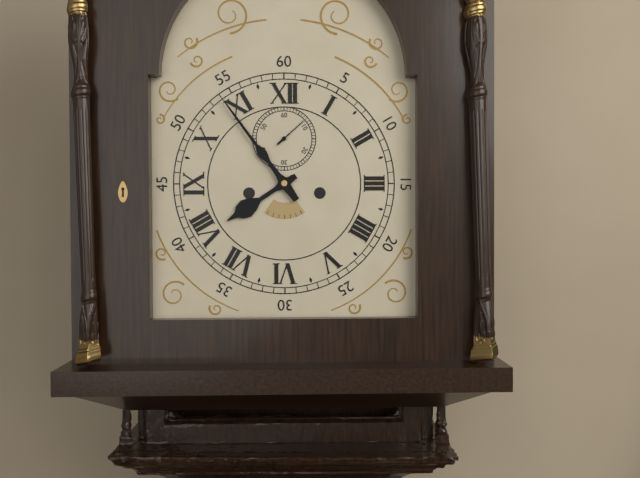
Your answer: 7,54
